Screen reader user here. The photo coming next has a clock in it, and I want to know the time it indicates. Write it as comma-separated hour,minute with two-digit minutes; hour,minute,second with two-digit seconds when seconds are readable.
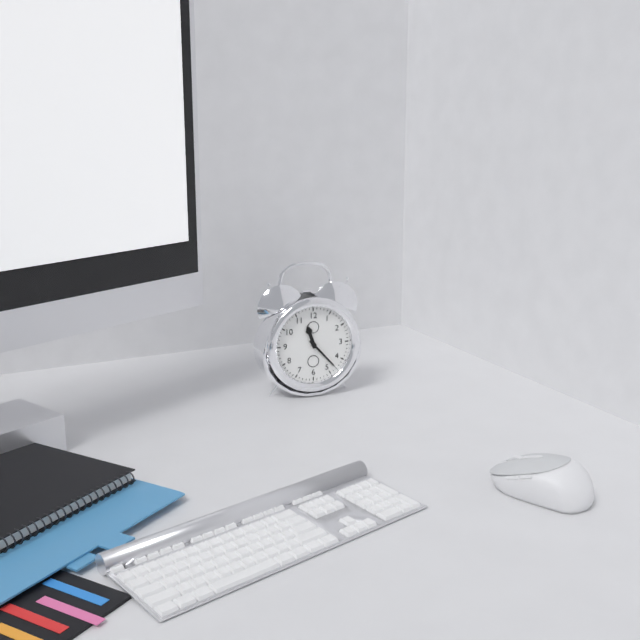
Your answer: 11,23
